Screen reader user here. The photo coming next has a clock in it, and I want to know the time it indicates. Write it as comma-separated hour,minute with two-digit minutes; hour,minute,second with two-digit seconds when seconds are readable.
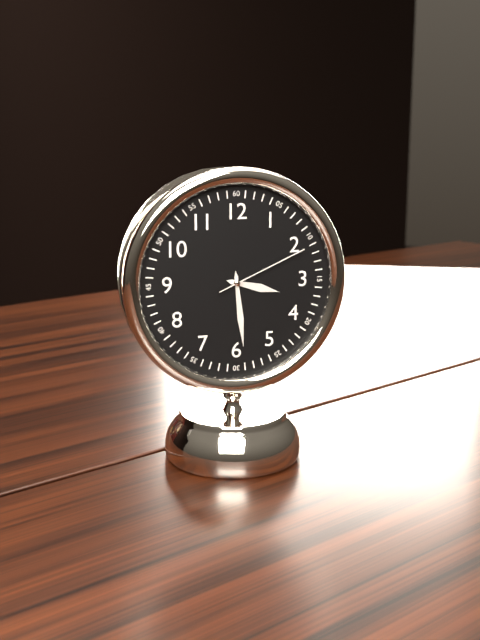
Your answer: 3,29,11
